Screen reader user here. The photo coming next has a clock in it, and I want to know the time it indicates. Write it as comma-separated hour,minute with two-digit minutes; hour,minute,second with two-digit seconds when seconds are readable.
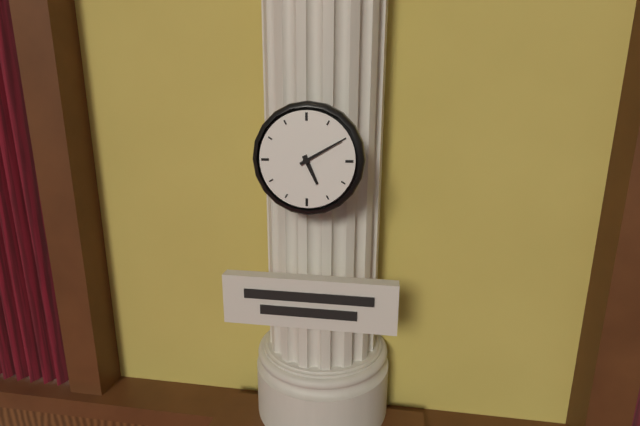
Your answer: 5,10
